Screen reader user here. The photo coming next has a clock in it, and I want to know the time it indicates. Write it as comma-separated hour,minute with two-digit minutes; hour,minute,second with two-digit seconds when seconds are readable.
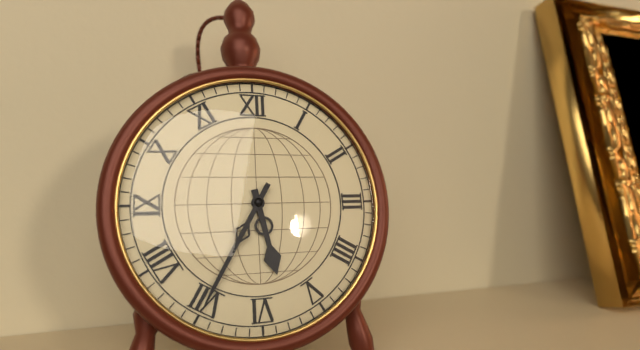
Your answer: 5,35
